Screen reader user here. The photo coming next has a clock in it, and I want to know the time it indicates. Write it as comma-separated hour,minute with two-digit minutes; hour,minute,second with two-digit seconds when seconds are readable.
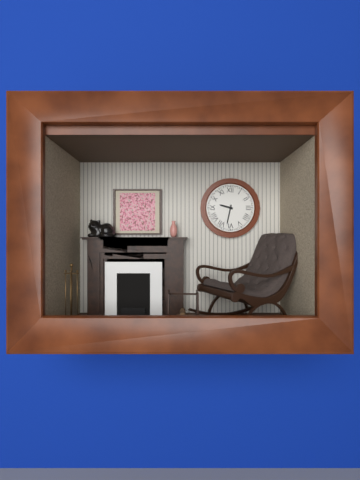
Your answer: 9,32
